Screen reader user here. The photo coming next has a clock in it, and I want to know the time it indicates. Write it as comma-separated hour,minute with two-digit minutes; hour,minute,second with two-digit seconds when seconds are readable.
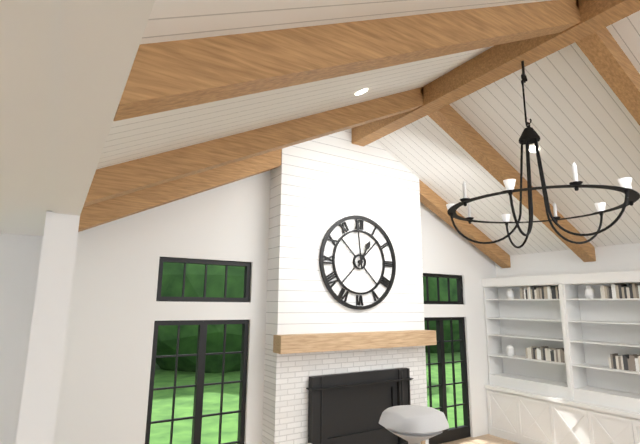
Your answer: 12,59
